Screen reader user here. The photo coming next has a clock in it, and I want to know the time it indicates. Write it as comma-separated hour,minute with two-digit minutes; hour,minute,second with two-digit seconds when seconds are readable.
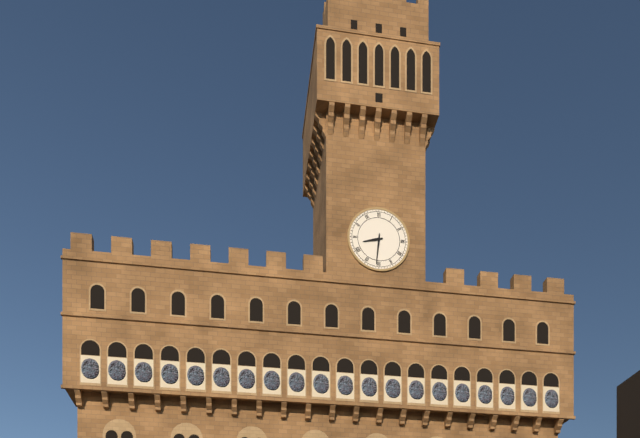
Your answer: 8,31
